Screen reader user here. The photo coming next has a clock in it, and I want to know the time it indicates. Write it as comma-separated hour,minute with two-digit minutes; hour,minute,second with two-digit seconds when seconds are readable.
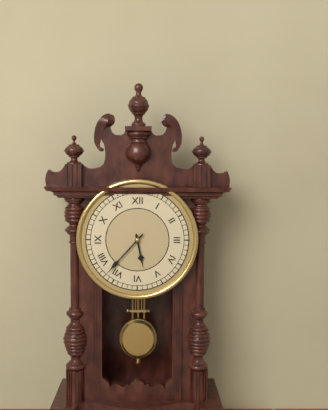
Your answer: 5,37
